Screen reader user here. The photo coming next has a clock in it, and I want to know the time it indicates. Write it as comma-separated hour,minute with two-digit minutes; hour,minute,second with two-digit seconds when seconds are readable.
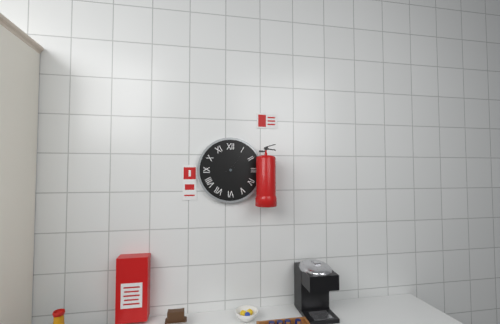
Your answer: 1,11
